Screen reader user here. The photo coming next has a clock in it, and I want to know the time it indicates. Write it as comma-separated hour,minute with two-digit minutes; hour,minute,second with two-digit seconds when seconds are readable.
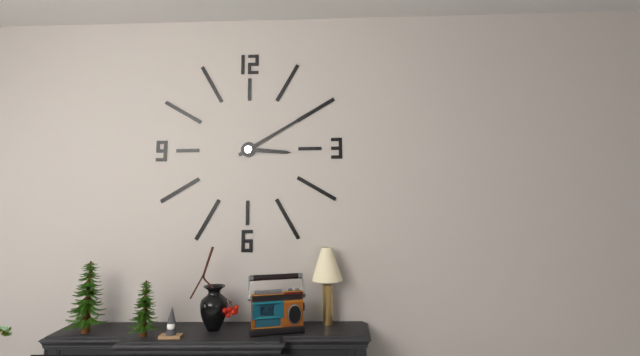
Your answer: 3,10
